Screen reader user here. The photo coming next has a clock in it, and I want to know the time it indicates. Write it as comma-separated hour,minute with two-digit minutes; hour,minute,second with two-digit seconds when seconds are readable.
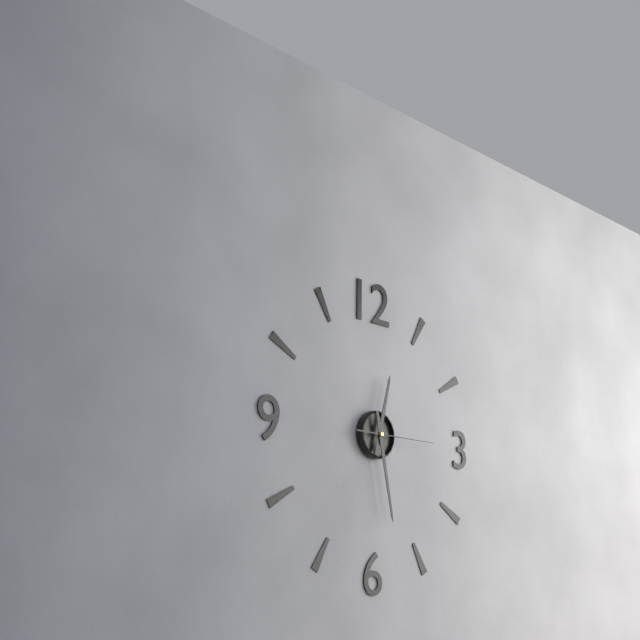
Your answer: 12,28,15
